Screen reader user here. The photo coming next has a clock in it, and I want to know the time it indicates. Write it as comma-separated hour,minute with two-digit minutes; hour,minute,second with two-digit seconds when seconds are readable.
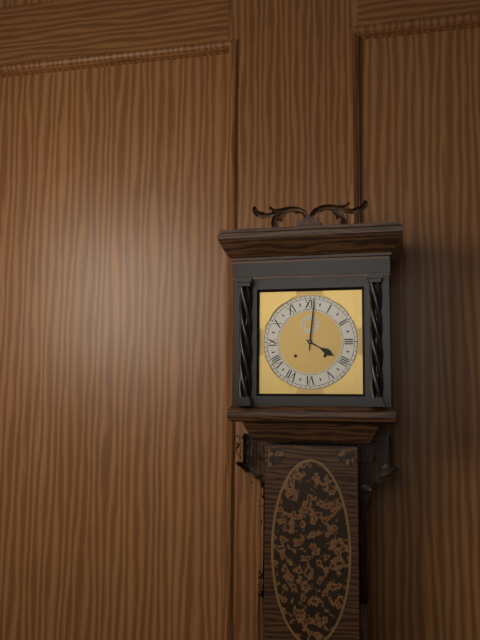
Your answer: 4,01
